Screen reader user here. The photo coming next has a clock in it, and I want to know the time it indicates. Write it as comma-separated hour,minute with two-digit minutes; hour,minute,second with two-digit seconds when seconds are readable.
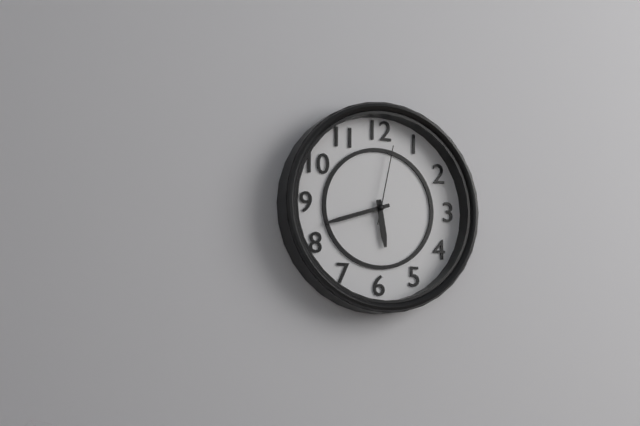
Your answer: 5,42,02
